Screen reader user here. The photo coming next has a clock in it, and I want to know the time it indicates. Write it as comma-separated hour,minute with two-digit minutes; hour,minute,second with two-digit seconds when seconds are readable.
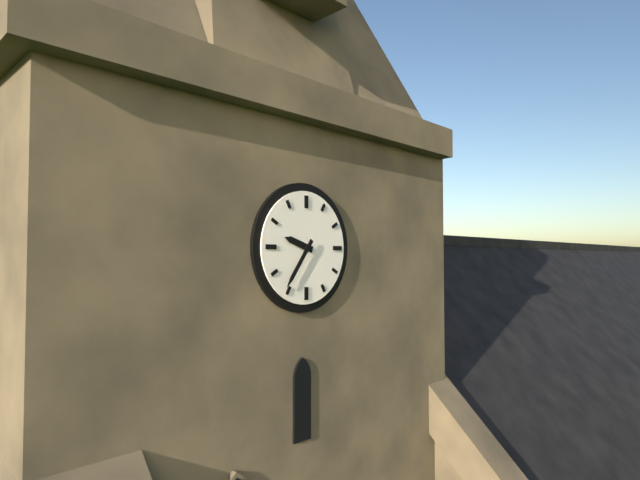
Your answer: 9,36
